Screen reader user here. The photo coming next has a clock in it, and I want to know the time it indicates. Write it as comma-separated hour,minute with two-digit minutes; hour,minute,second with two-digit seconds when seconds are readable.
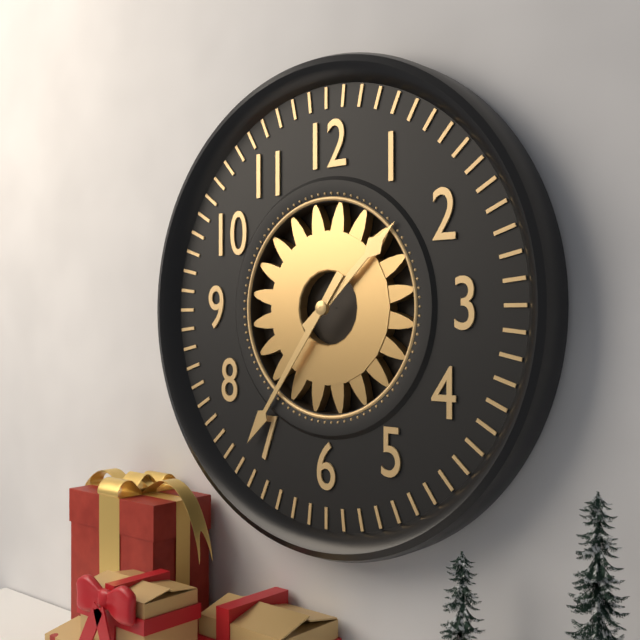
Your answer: 1,36
